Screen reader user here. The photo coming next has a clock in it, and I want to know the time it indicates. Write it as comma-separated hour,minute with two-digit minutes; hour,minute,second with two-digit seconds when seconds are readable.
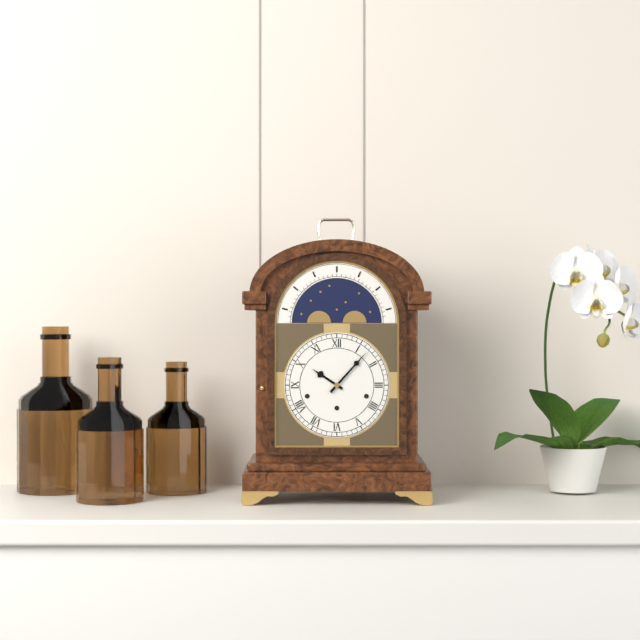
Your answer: 10,07
